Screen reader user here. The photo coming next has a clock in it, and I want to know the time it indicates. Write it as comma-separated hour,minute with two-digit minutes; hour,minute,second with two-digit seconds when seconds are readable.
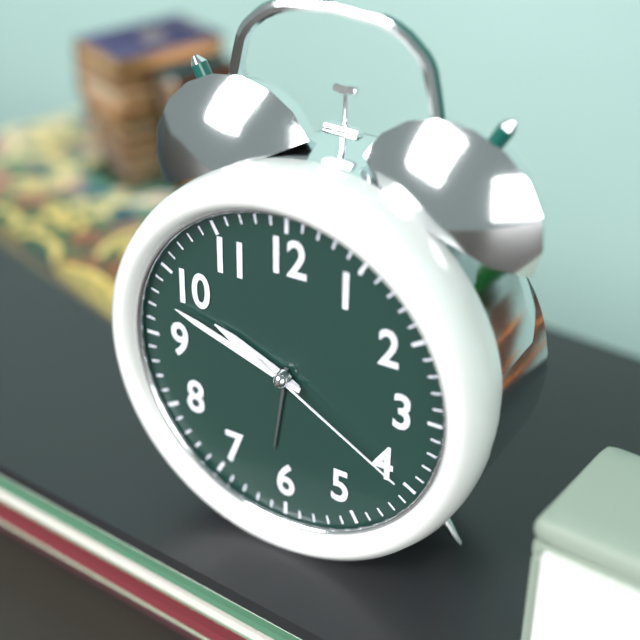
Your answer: 9,48,20
